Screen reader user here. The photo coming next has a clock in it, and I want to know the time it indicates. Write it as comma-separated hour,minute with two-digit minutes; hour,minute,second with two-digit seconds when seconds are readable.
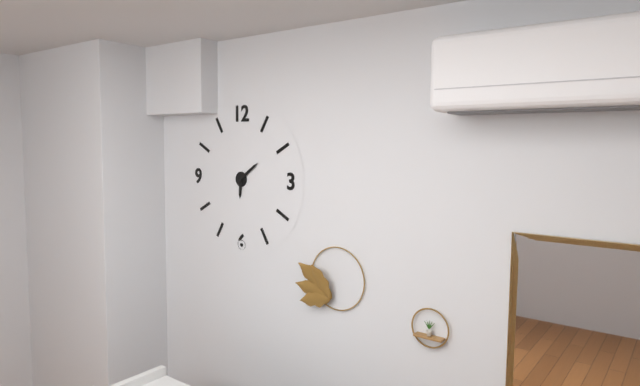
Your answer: 6,09
